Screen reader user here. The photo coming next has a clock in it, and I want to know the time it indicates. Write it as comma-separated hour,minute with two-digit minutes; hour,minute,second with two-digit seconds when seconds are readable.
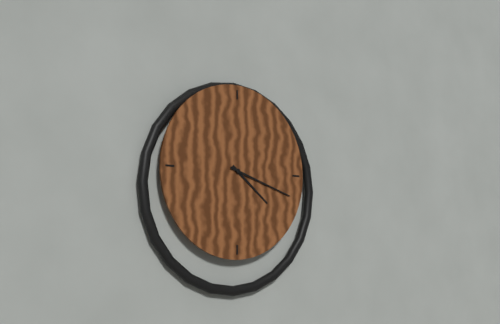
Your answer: 4,18
